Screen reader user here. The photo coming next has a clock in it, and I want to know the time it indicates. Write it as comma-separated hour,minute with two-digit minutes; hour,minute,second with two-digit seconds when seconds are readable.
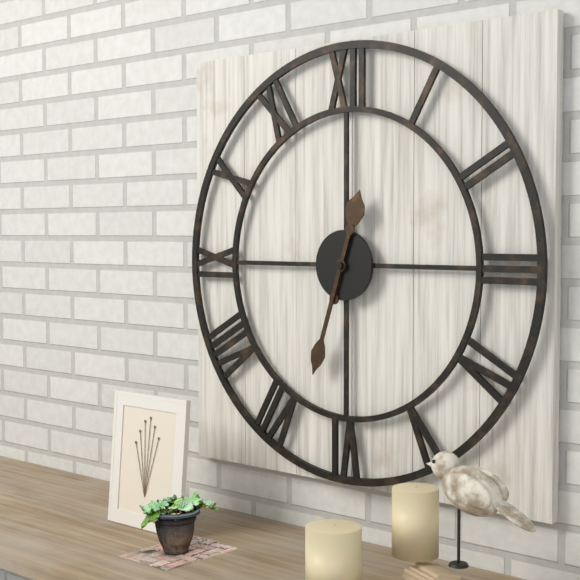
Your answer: 12,33
